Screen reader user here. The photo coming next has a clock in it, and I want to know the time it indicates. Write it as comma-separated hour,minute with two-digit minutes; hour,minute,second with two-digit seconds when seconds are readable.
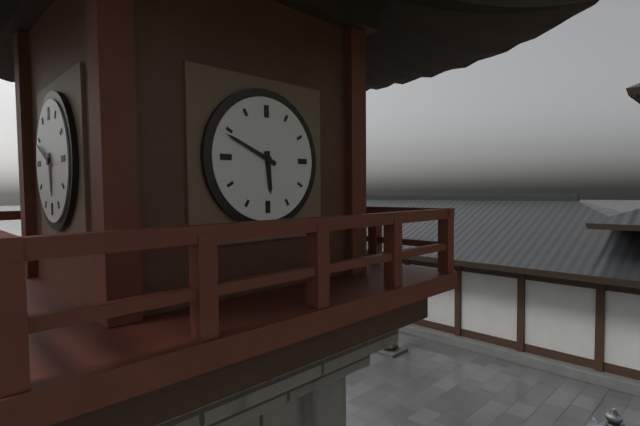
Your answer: 5,49
